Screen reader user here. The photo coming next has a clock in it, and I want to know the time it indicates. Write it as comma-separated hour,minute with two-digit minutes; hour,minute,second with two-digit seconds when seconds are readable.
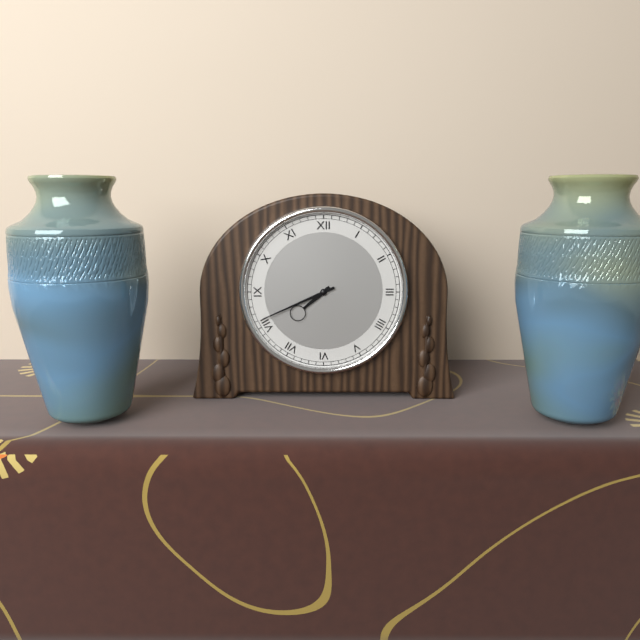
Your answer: 7,41
